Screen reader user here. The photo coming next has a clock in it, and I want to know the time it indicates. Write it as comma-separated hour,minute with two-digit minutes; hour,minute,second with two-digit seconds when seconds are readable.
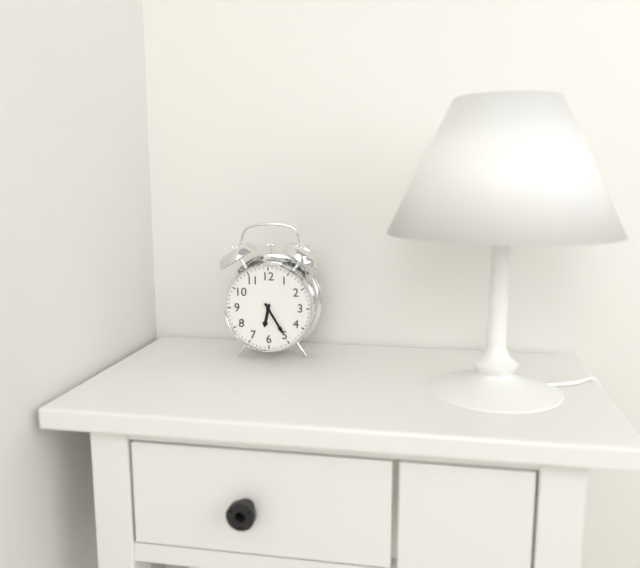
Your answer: 6,25
